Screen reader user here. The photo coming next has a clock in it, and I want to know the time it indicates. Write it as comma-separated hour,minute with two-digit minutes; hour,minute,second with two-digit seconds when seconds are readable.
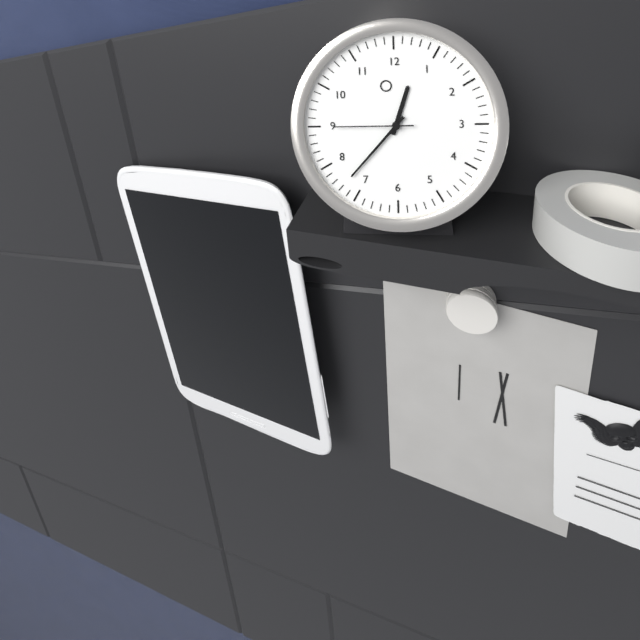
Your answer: 12,37,45
